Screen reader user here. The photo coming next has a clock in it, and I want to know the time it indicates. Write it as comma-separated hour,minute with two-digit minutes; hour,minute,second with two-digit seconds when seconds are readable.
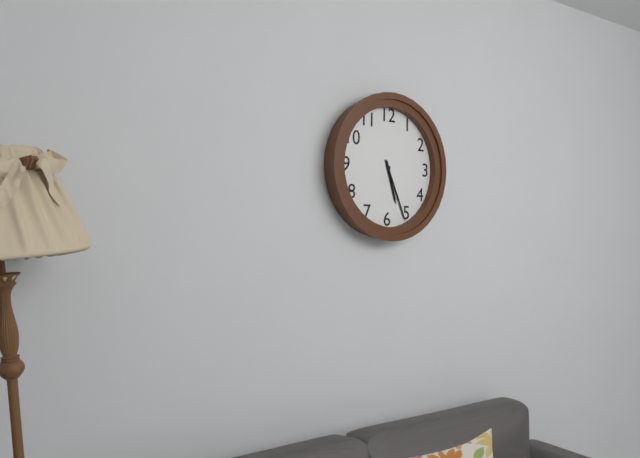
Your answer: 5,26
